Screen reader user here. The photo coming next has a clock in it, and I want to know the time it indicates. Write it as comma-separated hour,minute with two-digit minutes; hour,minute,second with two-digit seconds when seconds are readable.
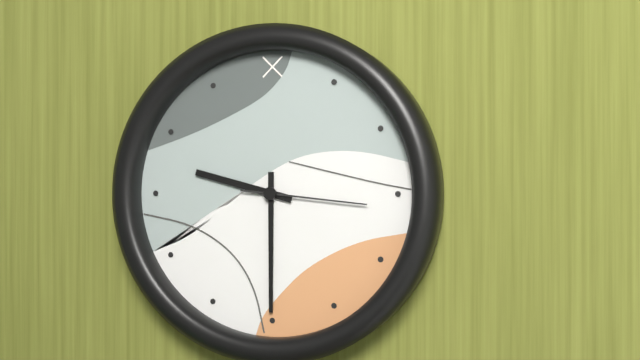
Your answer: 9,30,16
